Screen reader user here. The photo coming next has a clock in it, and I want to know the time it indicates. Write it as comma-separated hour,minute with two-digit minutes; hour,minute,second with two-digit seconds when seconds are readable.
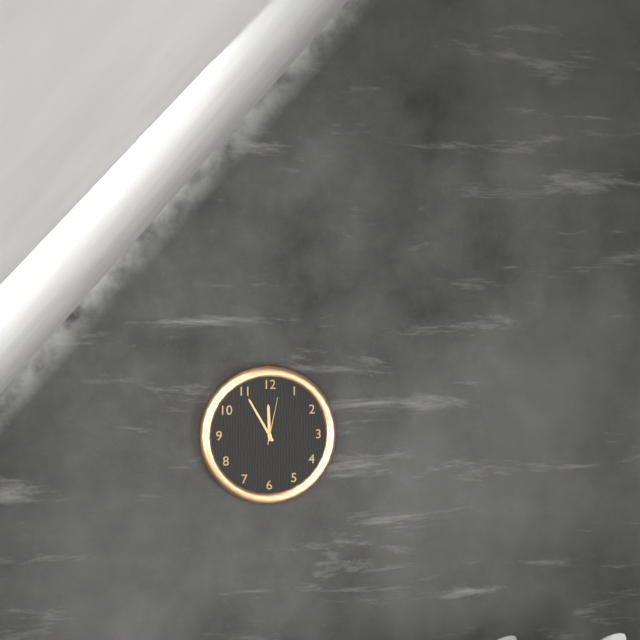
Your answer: 11,55
